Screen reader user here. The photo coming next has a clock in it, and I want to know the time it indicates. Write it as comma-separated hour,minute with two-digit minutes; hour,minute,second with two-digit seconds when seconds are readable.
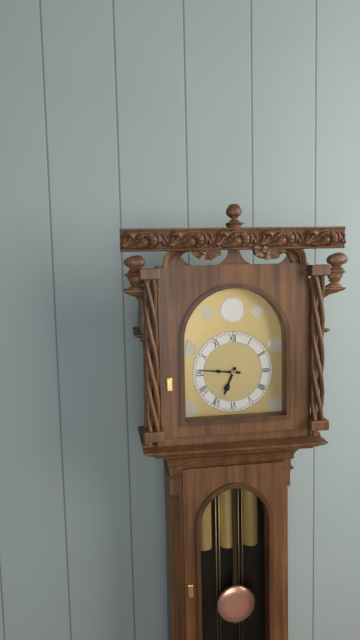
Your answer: 6,46
